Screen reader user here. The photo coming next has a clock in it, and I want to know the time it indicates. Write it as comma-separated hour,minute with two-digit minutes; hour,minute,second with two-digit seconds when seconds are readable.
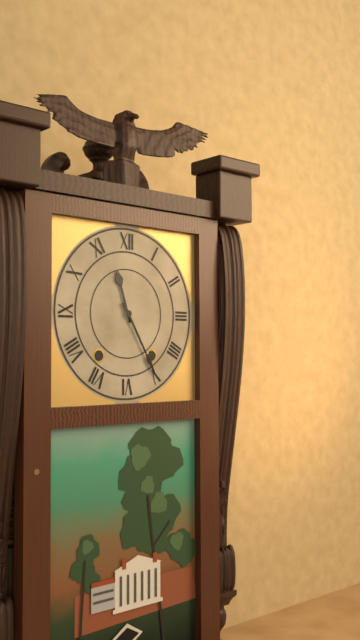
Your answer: 11,25
